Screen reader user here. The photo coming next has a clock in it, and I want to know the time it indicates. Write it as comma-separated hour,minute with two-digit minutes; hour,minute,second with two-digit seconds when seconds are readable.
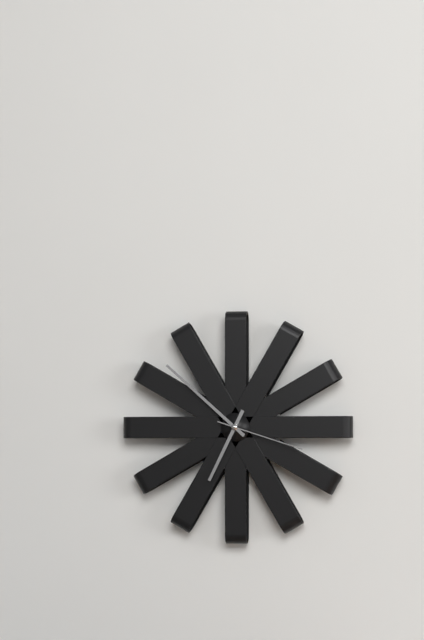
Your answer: 6,52,18
